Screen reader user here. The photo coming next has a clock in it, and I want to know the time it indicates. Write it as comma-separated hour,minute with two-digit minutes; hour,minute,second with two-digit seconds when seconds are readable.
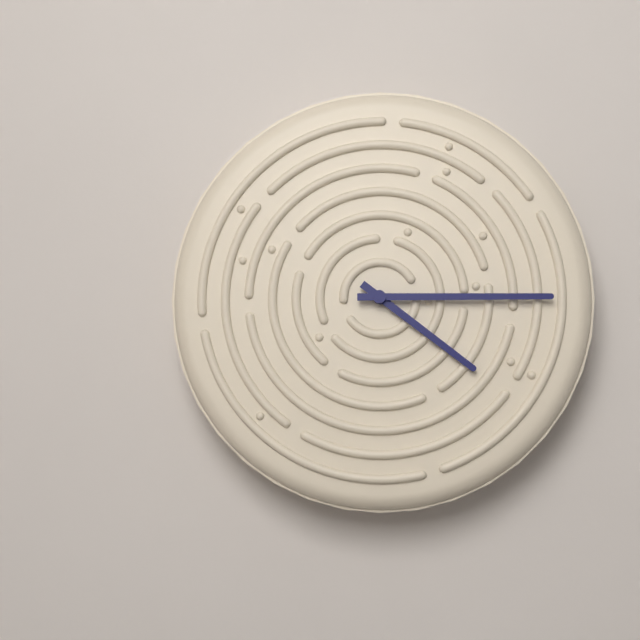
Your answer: 4,15
